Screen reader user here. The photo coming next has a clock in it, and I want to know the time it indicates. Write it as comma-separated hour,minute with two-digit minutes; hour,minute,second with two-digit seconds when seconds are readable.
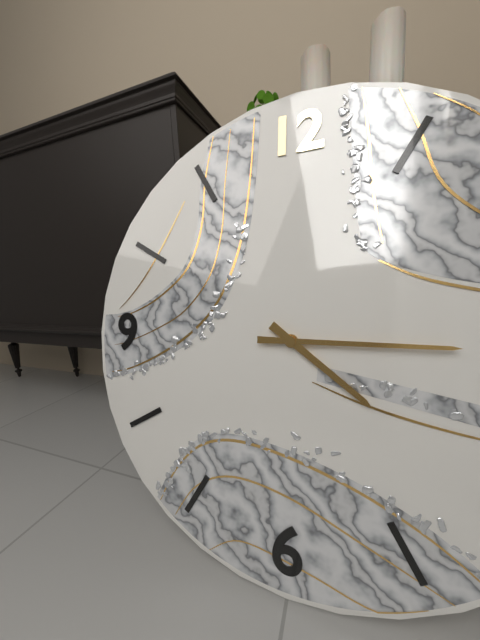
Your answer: 4,15
